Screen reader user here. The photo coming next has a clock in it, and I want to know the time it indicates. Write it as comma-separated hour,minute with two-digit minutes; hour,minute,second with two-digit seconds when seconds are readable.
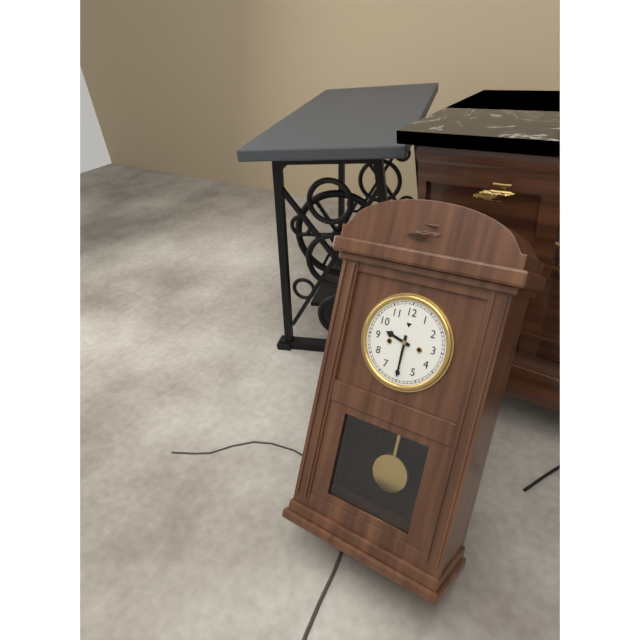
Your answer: 9,30
